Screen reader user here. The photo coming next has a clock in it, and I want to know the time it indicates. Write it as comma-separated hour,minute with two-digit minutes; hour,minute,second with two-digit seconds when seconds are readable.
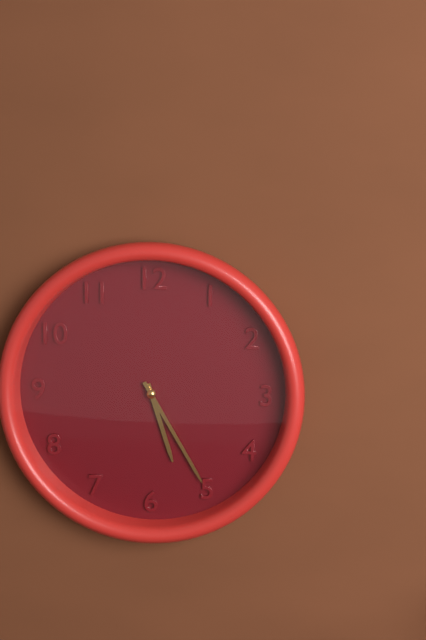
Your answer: 5,25
